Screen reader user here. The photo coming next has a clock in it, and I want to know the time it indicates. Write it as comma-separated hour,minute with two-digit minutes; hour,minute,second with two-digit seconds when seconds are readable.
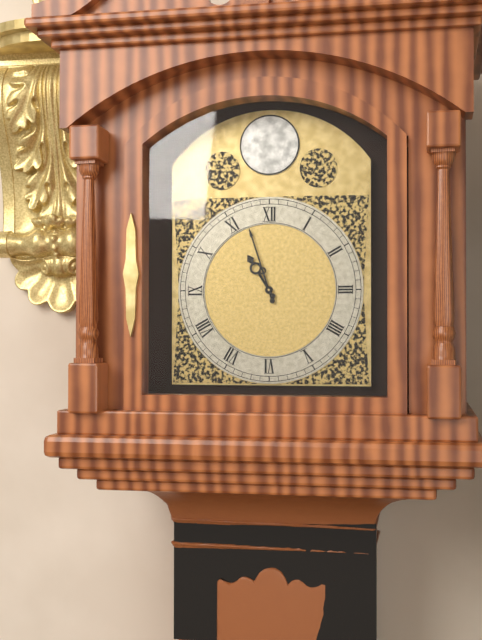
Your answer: 10,57
